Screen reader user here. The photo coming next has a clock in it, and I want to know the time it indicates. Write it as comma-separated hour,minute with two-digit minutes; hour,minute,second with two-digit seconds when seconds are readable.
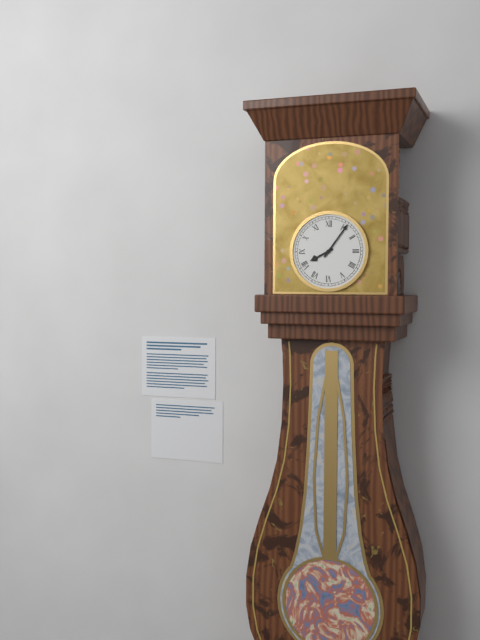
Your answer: 8,06
